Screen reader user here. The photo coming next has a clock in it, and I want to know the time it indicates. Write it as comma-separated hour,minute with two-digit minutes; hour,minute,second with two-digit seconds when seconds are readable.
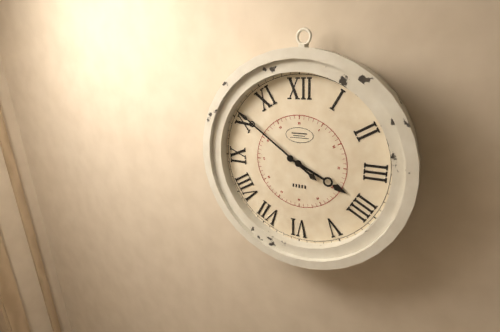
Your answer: 3,51
